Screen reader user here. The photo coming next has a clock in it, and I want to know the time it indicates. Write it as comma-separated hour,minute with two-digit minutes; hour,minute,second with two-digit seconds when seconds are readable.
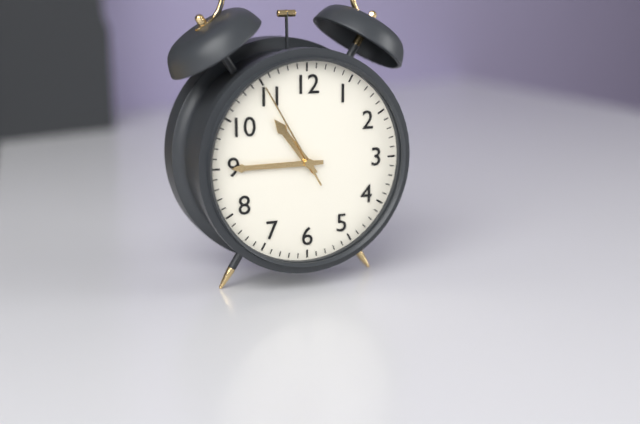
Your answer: 10,45,55
